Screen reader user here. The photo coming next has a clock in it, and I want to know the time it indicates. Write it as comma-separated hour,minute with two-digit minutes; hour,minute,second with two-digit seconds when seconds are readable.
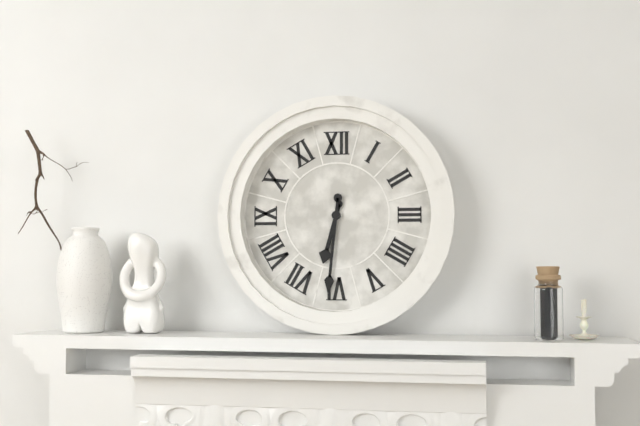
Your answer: 6,31
